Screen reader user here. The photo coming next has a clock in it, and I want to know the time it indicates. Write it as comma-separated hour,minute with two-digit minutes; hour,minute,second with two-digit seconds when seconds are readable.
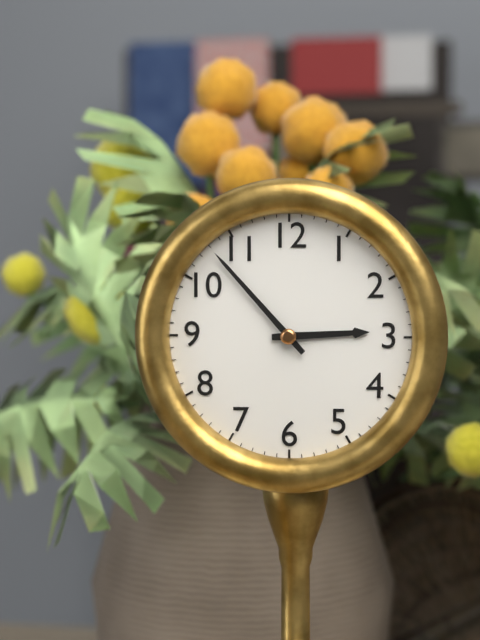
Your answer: 2,53
